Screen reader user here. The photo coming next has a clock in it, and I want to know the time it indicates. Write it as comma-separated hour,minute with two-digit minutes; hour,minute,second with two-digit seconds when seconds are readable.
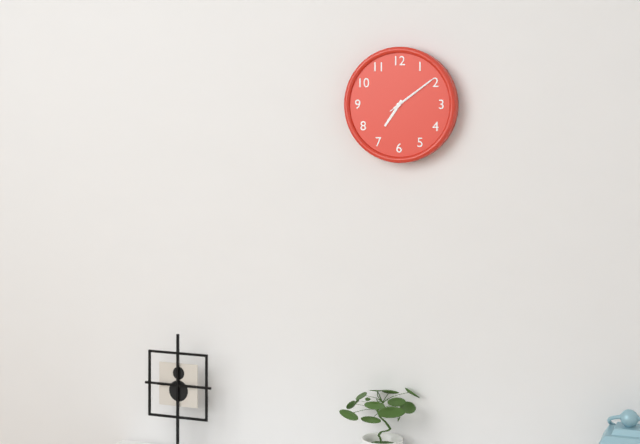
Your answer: 7,09,09
